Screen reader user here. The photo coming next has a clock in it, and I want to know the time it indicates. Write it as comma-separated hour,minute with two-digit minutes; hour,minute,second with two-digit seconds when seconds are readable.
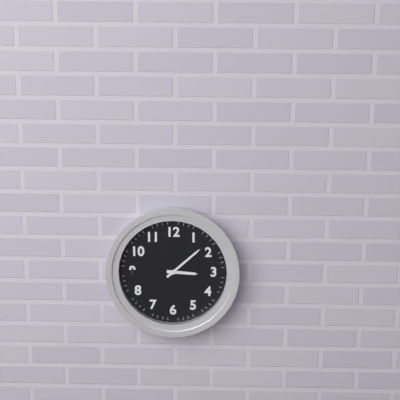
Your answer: 3,08
